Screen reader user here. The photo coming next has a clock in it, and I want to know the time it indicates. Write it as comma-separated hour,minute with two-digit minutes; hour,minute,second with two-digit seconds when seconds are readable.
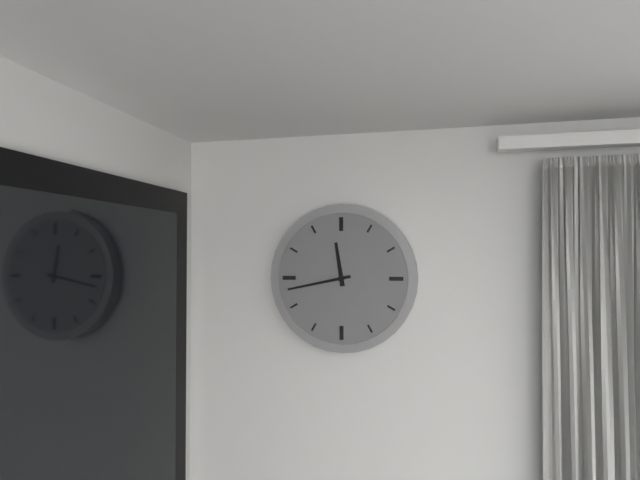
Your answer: 11,43
